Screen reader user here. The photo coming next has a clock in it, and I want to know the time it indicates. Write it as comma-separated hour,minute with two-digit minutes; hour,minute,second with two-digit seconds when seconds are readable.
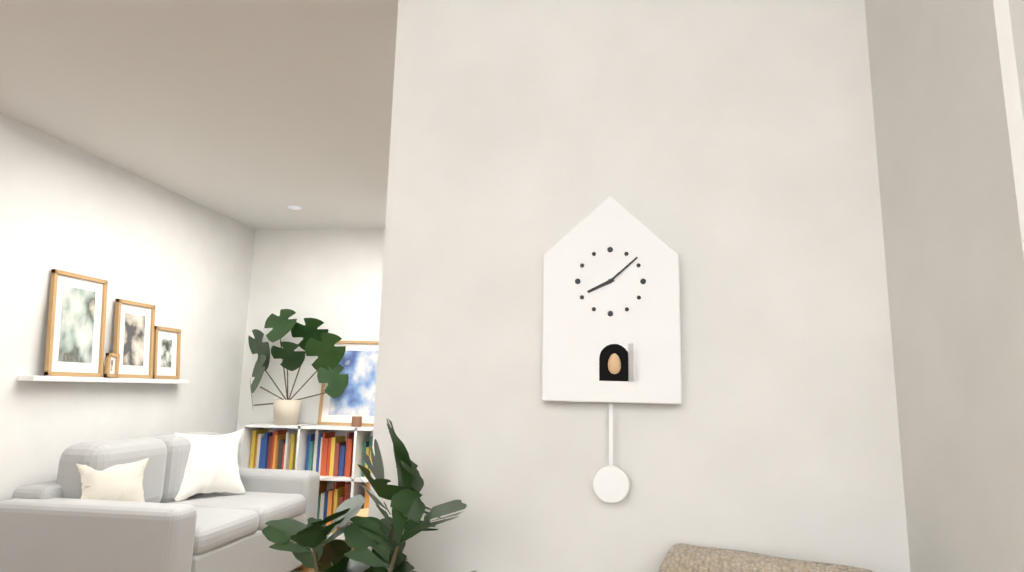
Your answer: 8,08
